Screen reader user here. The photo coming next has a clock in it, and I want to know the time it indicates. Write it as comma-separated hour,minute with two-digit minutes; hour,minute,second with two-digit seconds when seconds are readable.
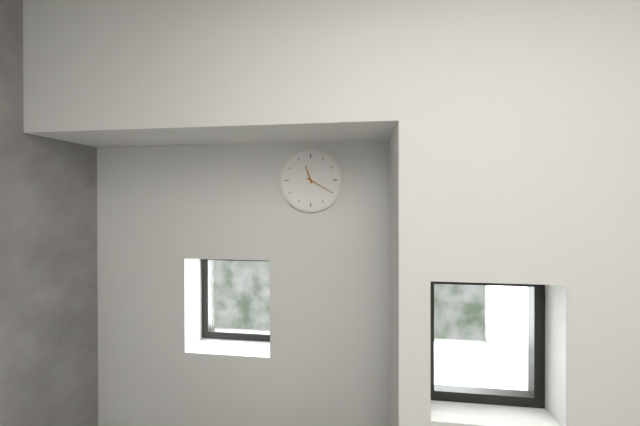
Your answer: 11,20
